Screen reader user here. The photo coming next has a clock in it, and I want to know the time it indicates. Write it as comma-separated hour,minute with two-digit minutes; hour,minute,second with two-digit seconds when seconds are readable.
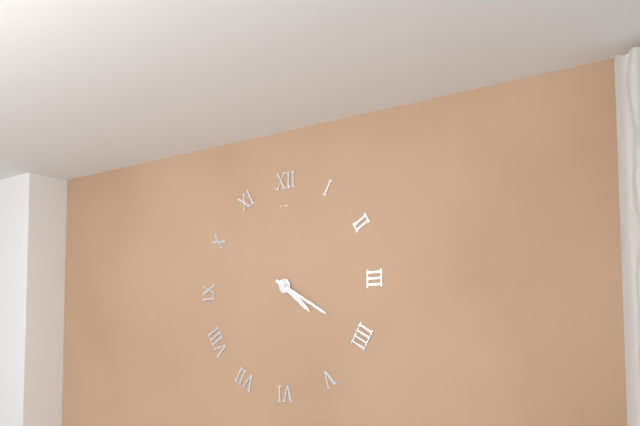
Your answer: 4,20
